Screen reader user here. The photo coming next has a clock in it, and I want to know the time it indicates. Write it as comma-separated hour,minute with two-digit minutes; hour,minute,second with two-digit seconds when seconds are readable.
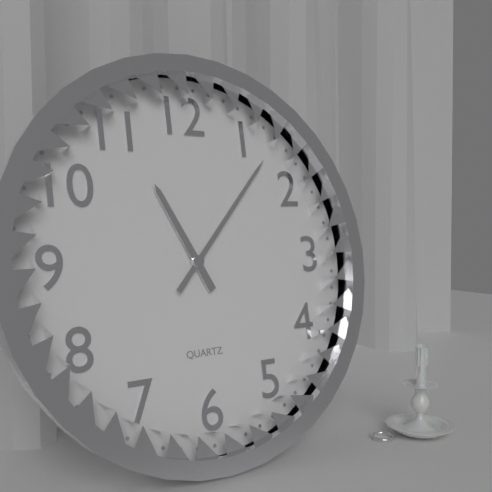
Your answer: 11,07
